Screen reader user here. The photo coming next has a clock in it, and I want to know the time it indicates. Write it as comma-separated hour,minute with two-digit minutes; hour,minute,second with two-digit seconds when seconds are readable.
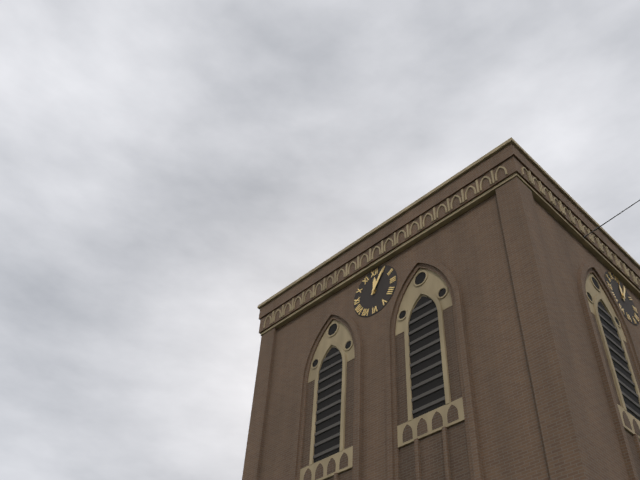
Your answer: 12,05
